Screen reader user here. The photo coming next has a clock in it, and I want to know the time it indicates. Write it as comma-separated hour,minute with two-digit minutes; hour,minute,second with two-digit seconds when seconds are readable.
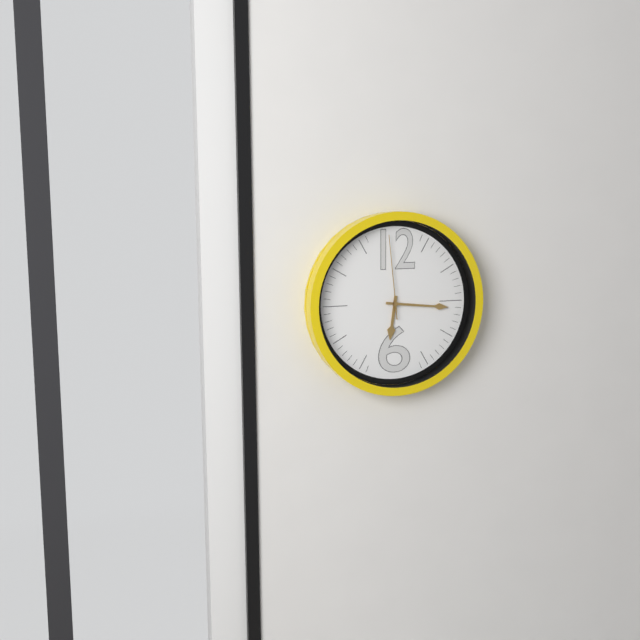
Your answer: 6,16,59
